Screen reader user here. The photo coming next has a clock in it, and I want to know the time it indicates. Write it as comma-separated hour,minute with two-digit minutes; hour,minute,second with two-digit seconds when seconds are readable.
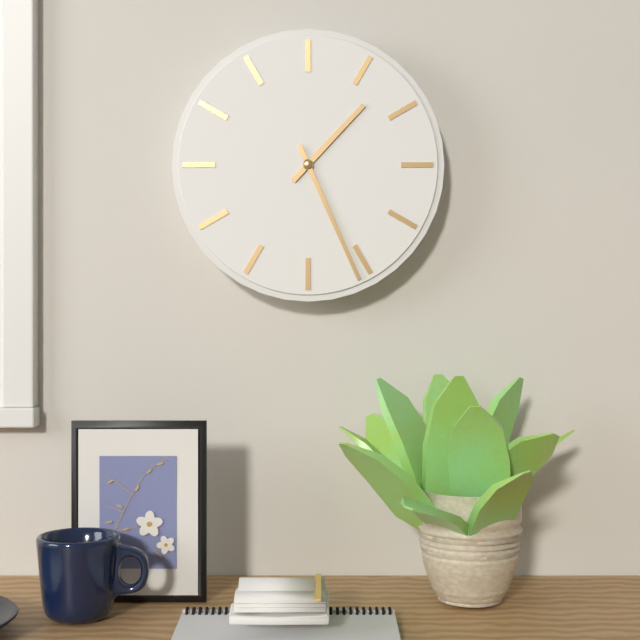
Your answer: 1,26
